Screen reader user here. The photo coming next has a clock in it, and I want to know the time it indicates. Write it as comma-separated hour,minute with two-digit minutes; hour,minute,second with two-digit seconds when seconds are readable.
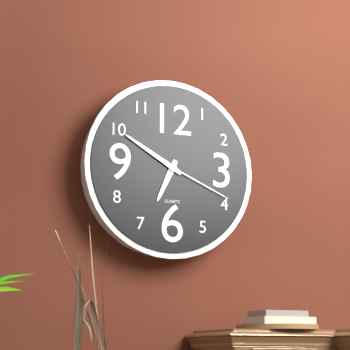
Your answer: 6,50,19
